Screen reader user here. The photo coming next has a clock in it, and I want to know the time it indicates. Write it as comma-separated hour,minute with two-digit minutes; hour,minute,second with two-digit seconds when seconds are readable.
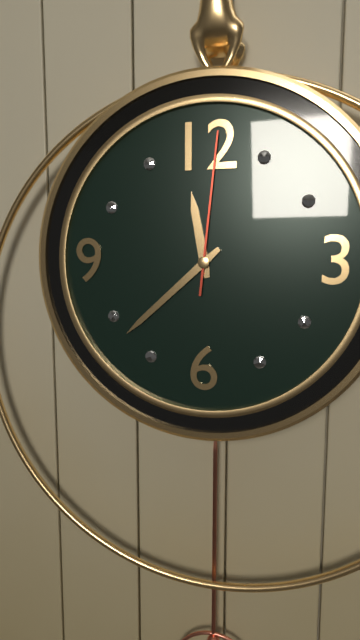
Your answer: 11,38,01
